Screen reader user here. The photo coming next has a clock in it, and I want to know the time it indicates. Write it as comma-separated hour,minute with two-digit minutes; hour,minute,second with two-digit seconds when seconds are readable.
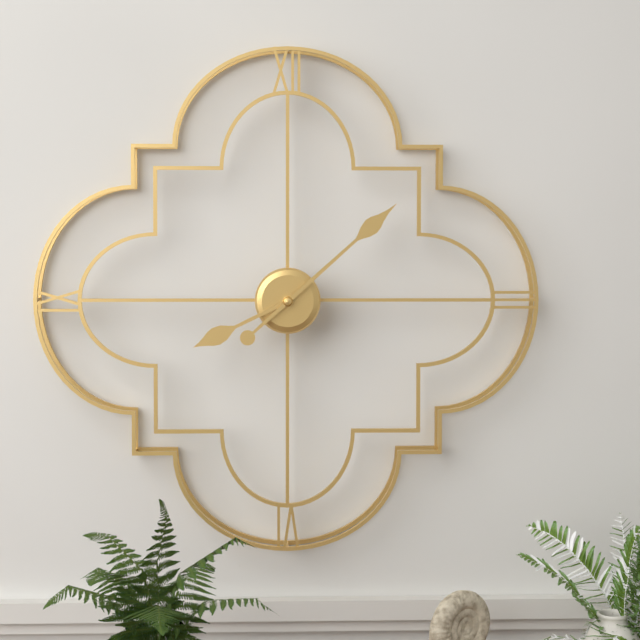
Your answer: 8,08
